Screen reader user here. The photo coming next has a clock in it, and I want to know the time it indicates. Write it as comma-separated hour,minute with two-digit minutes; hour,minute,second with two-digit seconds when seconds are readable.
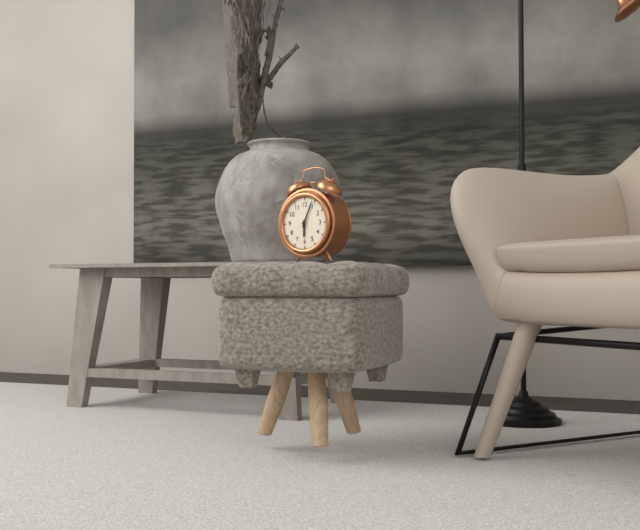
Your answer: 6,04
